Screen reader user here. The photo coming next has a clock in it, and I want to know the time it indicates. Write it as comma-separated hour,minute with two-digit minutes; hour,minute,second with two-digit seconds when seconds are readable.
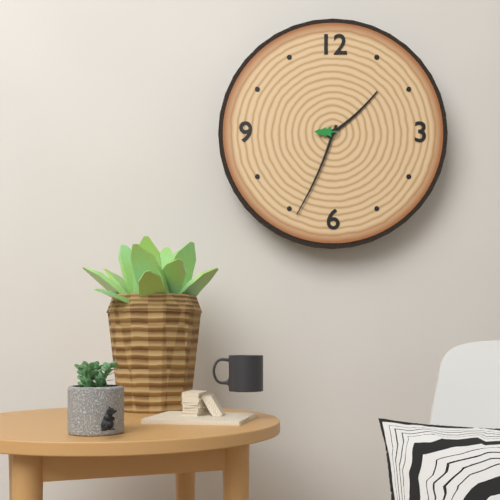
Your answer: 1,34
